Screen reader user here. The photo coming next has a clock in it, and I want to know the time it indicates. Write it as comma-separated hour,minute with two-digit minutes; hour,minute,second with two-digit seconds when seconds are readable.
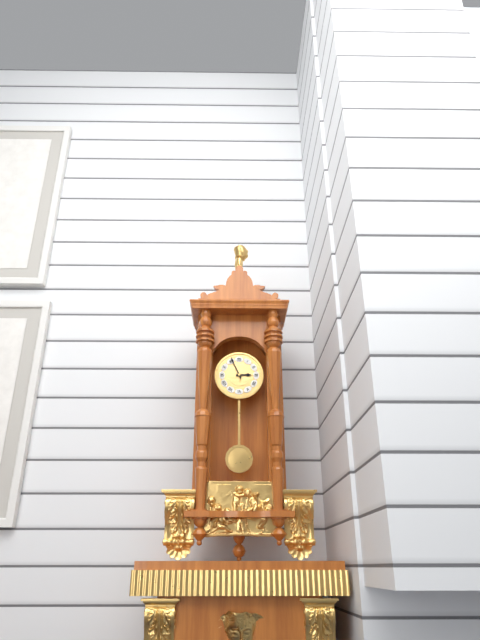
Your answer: 2,56
